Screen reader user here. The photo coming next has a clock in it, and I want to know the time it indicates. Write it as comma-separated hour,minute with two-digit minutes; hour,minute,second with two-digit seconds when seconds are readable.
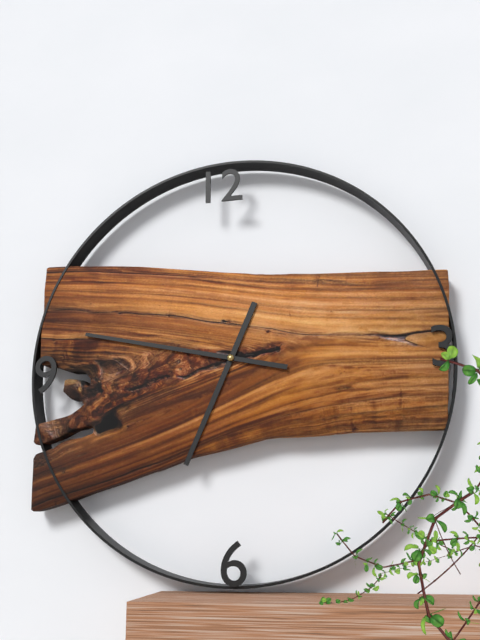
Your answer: 6,47
